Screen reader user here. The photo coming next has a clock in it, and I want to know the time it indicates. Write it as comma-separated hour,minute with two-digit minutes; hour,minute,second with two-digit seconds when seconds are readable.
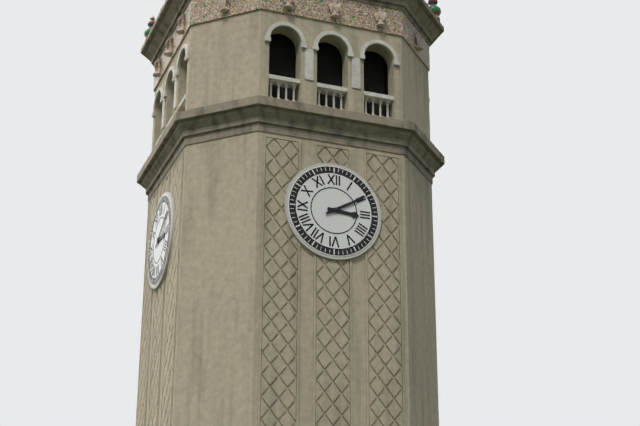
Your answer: 3,10
